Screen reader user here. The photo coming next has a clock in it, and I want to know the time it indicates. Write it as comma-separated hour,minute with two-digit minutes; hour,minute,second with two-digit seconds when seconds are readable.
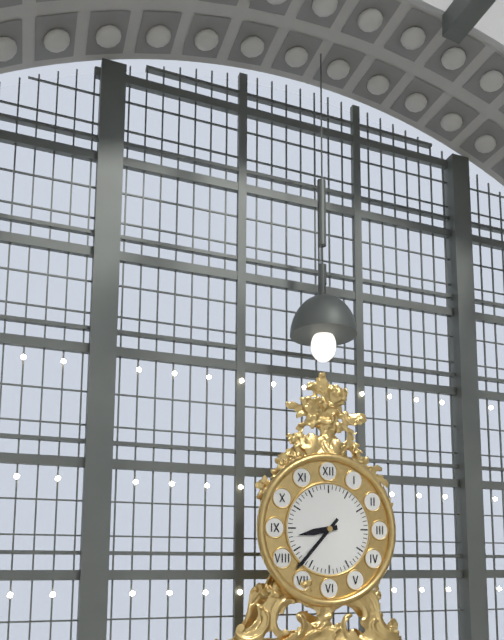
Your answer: 8,37
